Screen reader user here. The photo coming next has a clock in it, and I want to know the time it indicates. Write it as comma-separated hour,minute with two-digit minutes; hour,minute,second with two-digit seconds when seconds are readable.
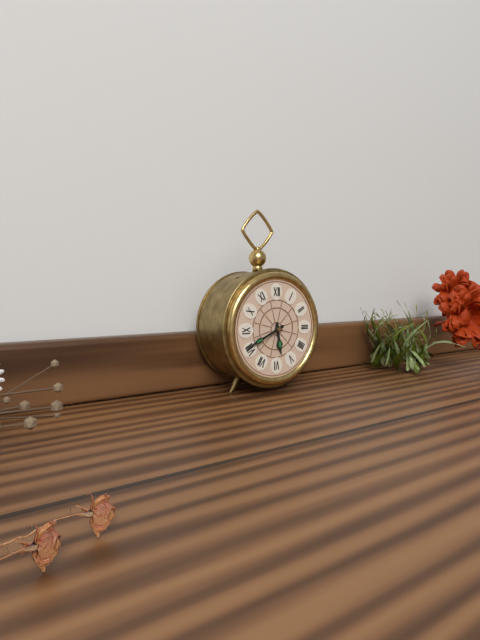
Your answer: 5,41
